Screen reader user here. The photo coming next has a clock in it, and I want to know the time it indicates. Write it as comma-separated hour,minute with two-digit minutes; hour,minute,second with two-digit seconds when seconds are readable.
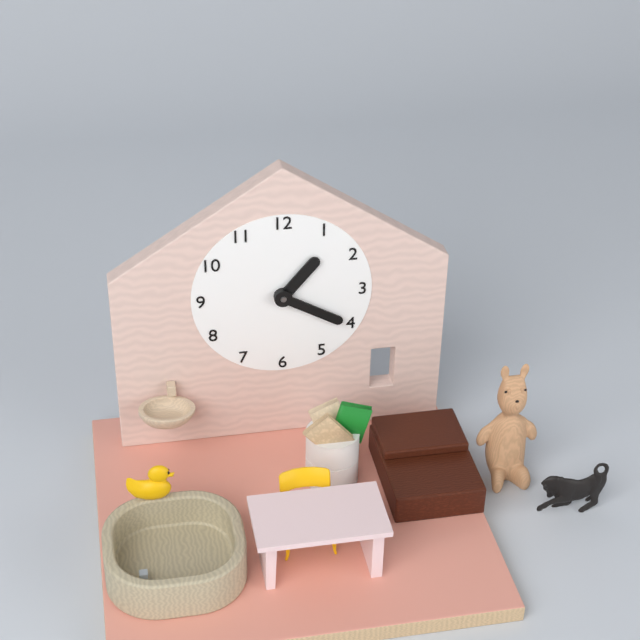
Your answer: 1,20
